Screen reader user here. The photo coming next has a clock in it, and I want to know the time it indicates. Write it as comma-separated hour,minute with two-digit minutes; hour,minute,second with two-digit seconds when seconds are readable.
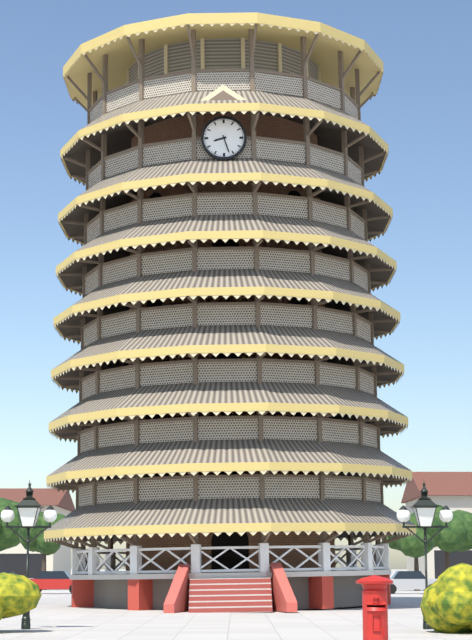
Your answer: 8,27
